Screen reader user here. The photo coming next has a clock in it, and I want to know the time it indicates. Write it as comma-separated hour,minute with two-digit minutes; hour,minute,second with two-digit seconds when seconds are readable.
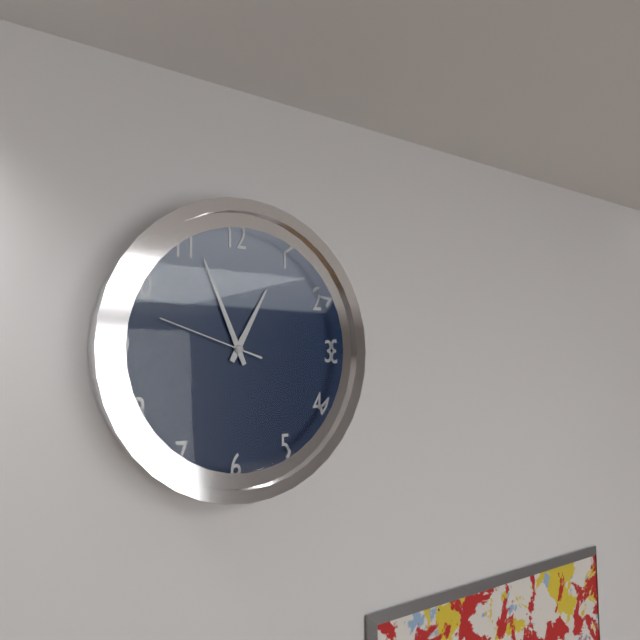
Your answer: 12,56,48
